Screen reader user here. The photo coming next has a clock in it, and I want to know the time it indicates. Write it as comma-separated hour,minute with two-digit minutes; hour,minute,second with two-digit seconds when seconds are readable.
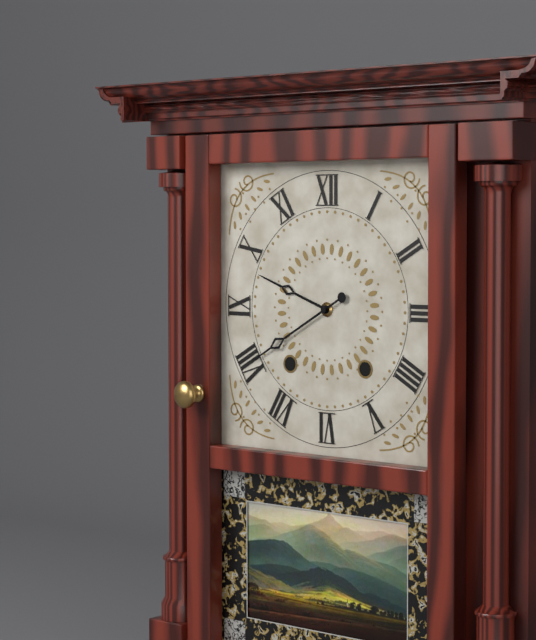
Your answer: 9,40
